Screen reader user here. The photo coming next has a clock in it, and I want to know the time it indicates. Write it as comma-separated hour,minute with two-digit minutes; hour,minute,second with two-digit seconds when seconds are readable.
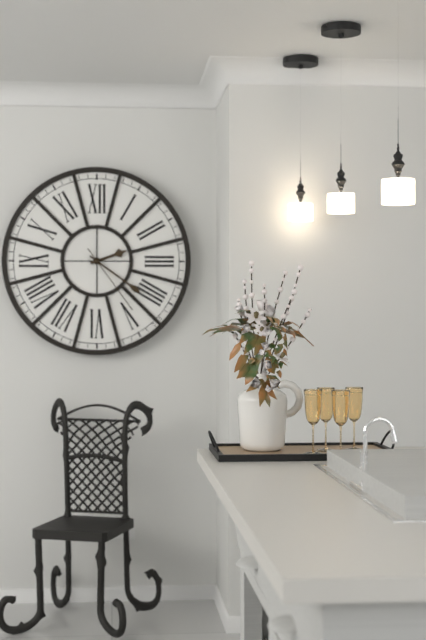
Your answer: 2,21,24
